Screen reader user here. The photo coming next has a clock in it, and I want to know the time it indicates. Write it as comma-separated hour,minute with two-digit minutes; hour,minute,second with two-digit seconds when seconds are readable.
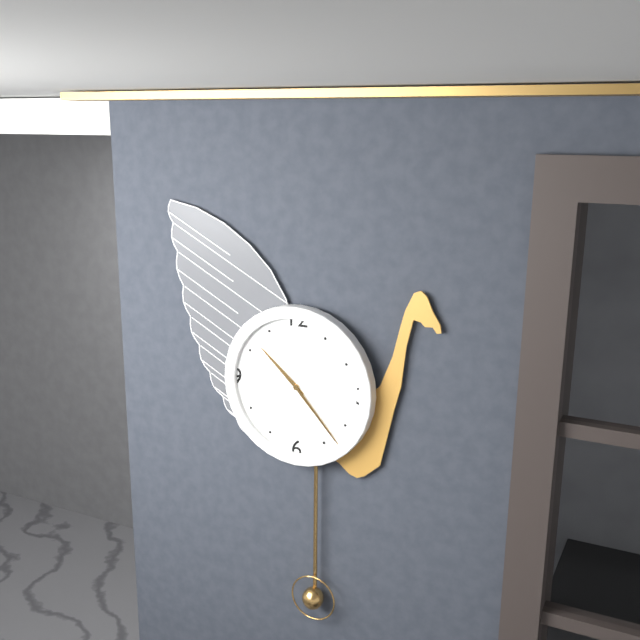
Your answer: 10,23
